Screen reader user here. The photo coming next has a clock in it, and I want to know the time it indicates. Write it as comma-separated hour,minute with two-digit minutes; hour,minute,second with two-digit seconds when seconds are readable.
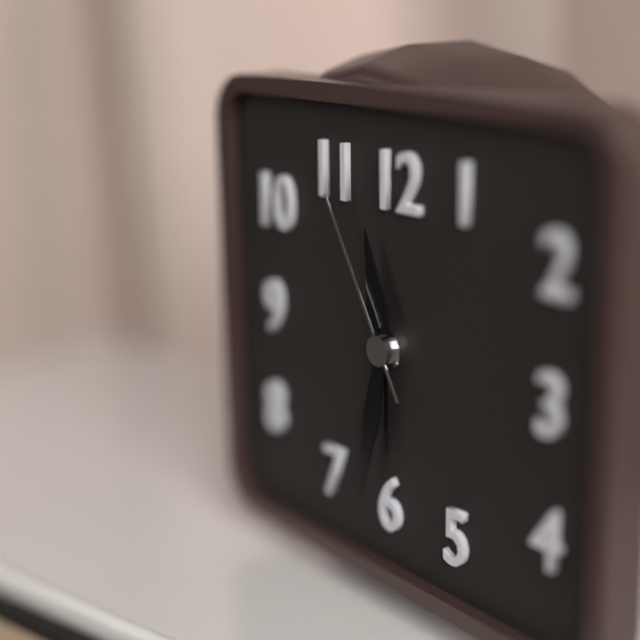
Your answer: 11,32,55
